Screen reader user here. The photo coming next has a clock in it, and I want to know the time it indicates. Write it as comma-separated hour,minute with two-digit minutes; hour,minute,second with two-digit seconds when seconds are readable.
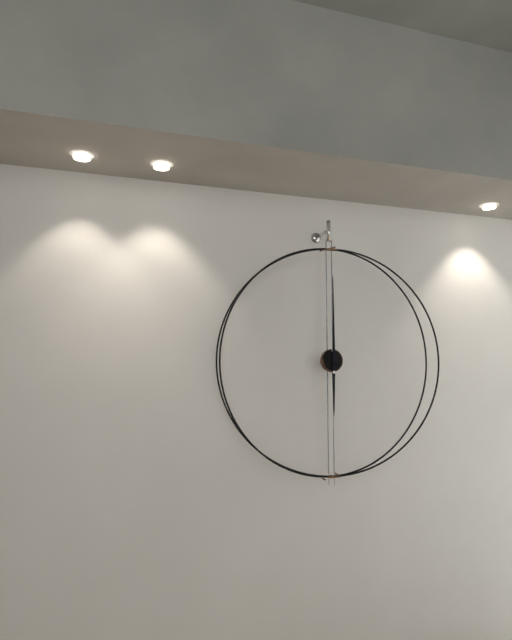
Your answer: 6,00
